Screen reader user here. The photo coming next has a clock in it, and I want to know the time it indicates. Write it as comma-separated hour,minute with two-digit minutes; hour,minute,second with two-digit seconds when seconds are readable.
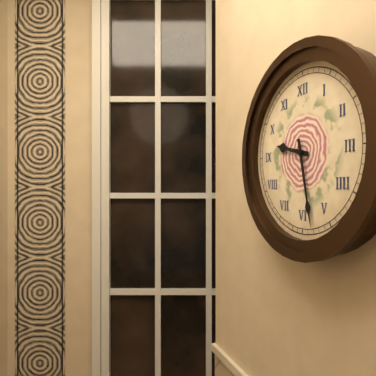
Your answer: 9,28
